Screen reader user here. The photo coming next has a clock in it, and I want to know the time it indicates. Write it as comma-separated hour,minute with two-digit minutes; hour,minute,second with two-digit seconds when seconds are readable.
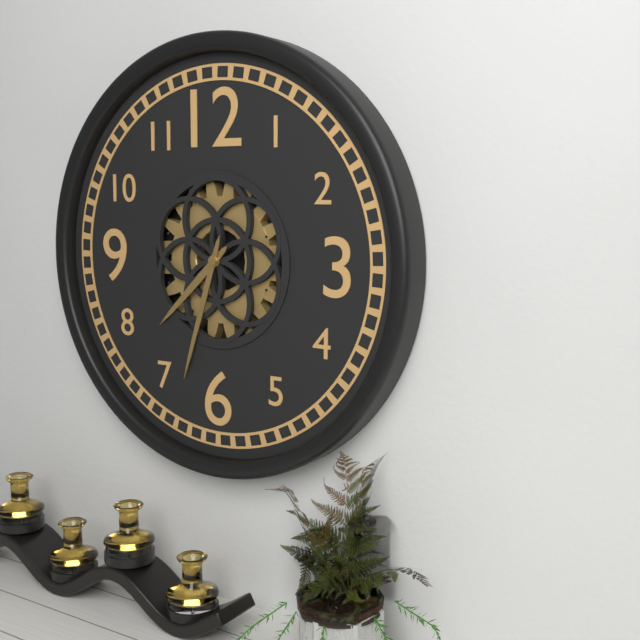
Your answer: 7,33
